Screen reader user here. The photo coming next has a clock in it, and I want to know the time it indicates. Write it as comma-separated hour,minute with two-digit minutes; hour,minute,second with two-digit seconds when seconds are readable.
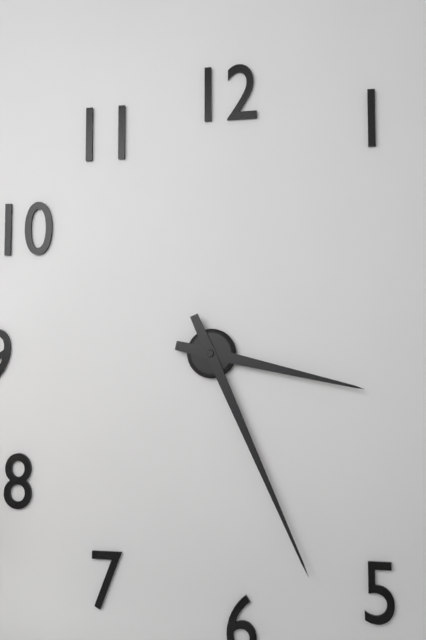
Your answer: 3,26
